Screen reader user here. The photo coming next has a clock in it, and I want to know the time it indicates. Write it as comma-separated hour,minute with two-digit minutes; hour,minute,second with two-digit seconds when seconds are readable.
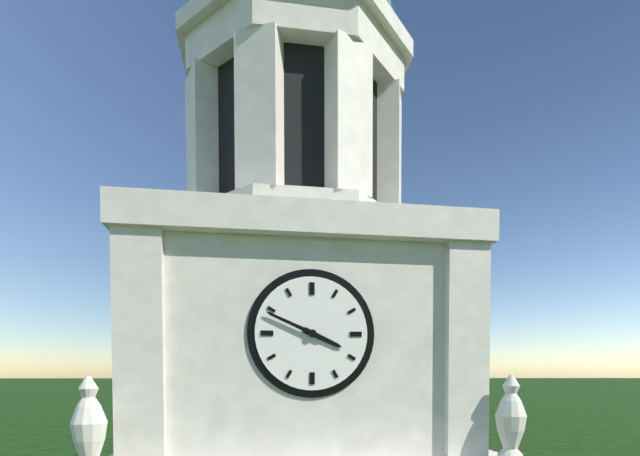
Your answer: 3,49
